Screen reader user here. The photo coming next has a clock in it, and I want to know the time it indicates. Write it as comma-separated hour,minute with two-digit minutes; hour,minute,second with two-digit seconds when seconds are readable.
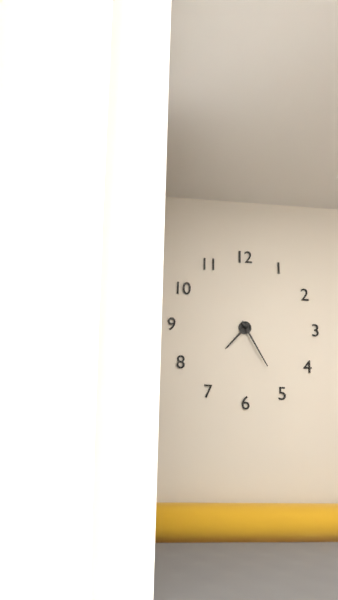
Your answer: 7,25
